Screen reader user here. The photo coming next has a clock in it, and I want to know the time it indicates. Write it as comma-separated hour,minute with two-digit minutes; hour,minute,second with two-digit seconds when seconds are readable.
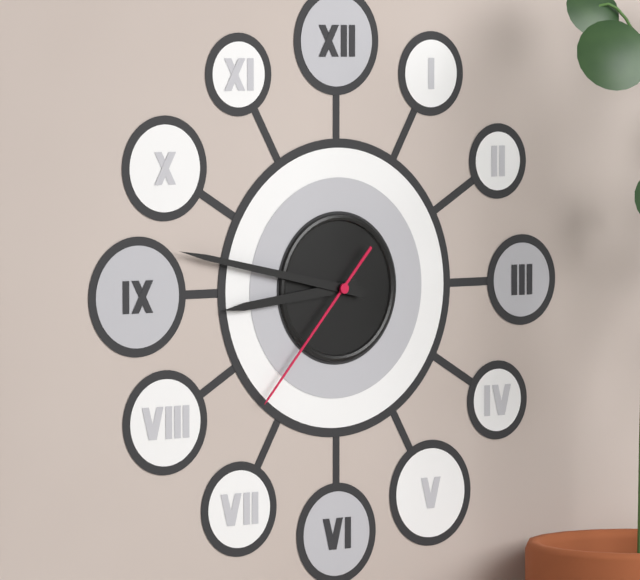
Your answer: 8,47,37
